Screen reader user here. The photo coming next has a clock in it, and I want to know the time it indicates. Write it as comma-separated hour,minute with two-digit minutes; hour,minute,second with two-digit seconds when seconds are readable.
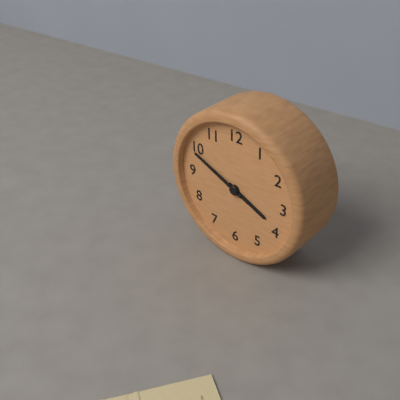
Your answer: 3,49
